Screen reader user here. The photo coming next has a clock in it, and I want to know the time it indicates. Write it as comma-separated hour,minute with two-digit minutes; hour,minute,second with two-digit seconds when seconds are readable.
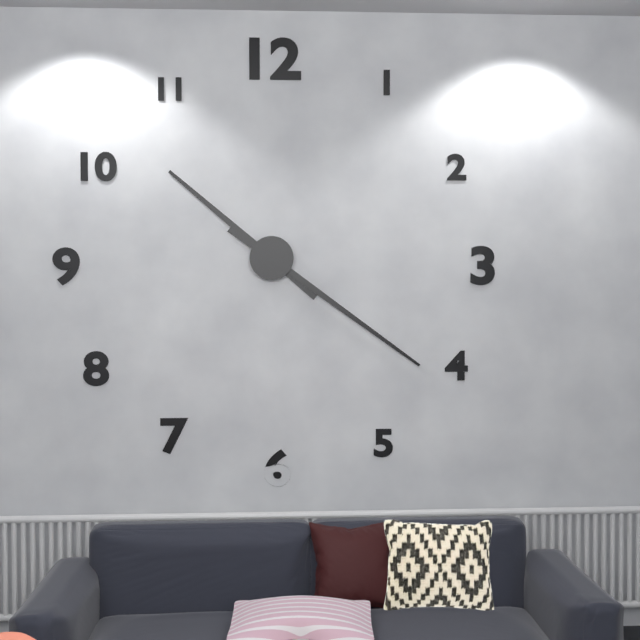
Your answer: 10,21
